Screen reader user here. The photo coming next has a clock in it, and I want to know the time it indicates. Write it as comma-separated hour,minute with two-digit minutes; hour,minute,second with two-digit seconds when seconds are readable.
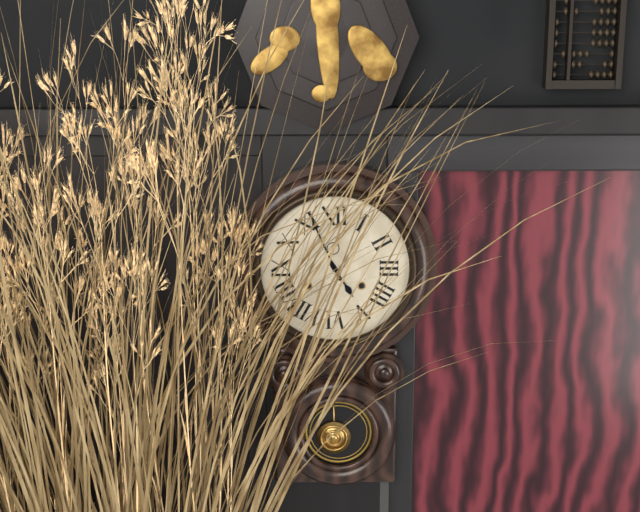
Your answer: 4,56
